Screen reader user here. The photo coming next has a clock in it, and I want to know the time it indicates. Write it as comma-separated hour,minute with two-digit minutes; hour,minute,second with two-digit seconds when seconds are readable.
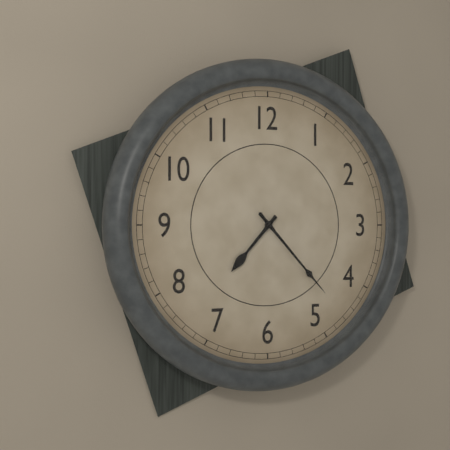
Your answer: 7,23
